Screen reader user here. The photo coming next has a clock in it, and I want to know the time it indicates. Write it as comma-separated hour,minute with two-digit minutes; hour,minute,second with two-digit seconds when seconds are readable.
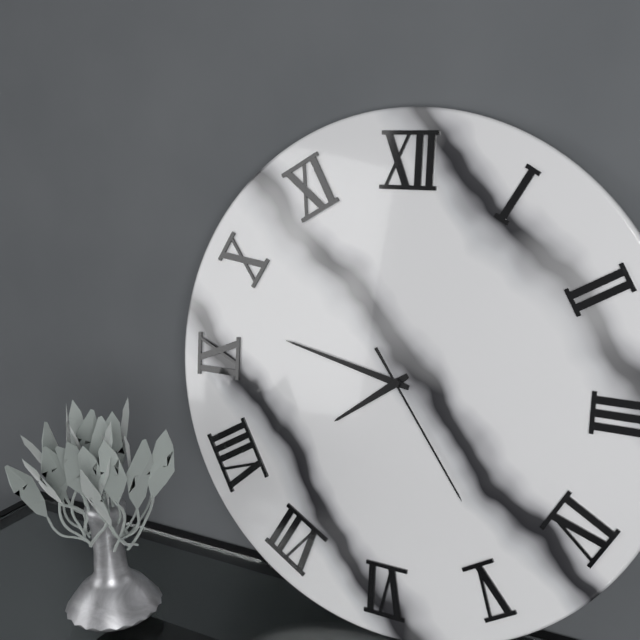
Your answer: 7,47,24
